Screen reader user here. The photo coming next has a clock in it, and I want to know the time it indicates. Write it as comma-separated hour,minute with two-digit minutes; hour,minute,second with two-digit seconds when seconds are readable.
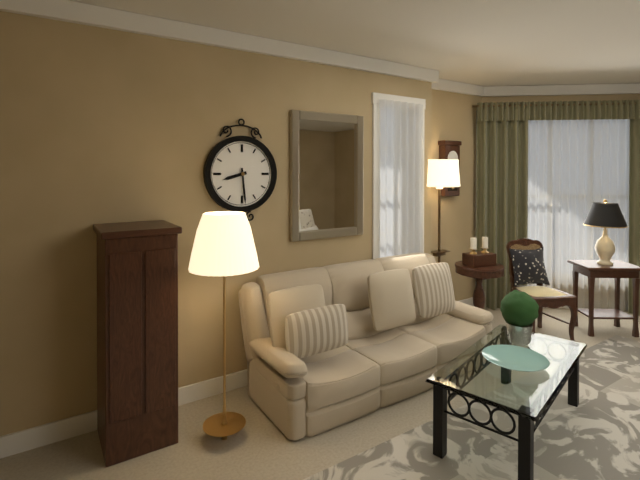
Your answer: 8,29
